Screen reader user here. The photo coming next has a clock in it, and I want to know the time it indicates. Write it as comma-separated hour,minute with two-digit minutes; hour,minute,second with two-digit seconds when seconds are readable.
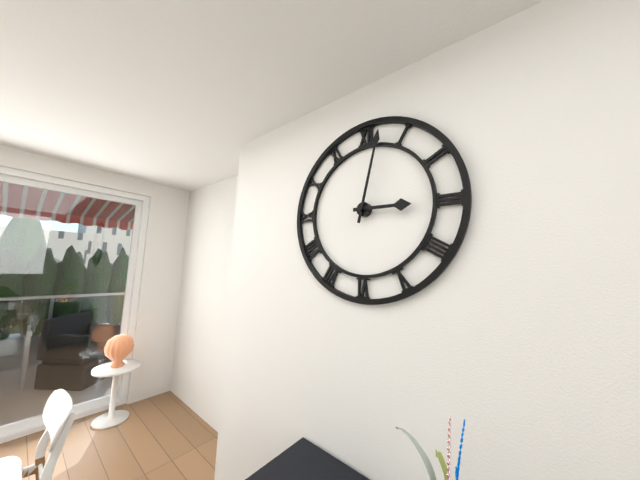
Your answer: 3,02
